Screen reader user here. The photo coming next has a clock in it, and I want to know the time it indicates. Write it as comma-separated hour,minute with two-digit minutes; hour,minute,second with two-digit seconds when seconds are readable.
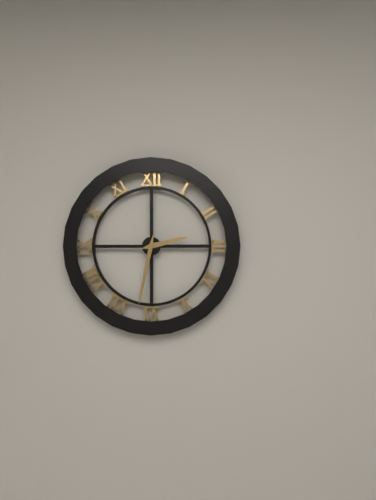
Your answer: 2,32
